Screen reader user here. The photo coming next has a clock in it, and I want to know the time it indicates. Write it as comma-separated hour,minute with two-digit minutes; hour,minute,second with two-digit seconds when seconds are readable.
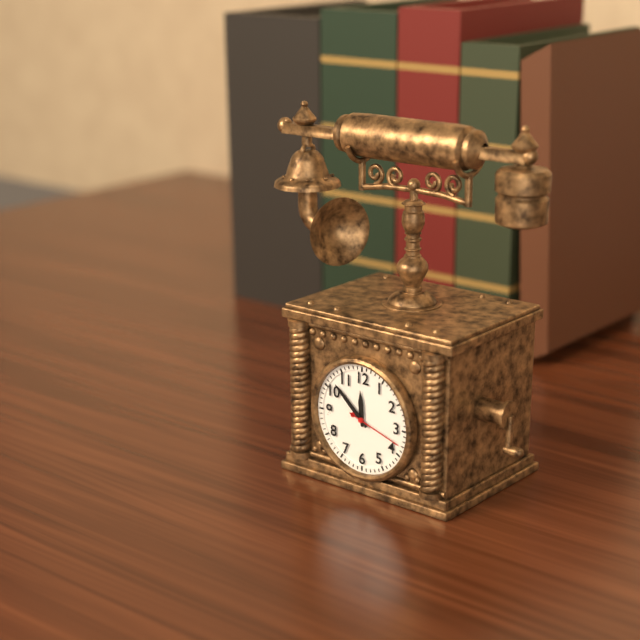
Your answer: 11,52,18
